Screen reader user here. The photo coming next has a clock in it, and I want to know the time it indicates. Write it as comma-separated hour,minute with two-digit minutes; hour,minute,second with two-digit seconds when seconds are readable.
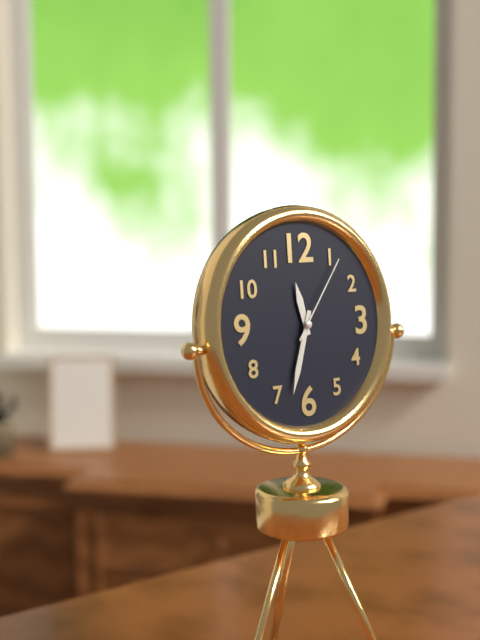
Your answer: 11,33,06
